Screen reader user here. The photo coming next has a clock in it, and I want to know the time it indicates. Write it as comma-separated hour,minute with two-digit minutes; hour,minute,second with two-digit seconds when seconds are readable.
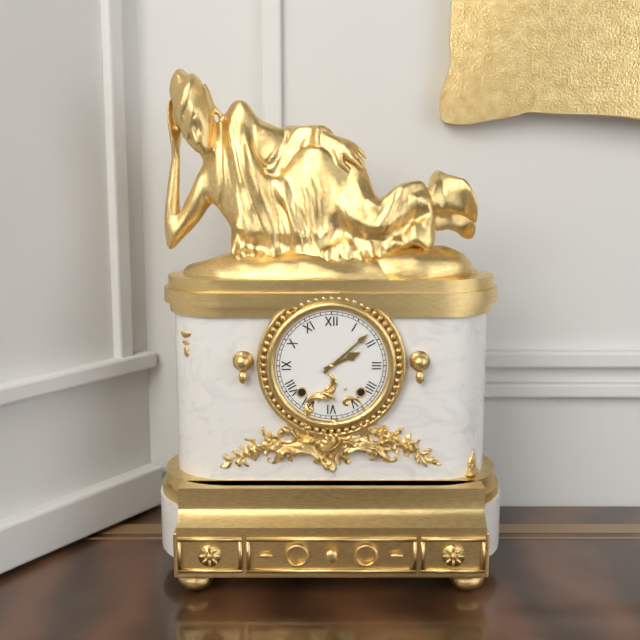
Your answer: 2,08
